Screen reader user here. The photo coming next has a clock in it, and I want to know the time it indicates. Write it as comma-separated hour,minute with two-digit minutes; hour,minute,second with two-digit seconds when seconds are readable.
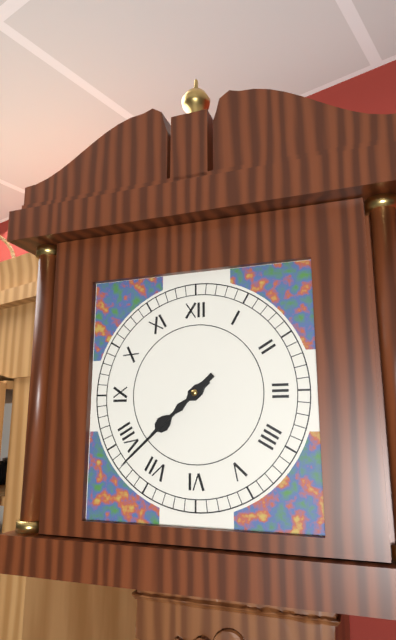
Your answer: 7,38
